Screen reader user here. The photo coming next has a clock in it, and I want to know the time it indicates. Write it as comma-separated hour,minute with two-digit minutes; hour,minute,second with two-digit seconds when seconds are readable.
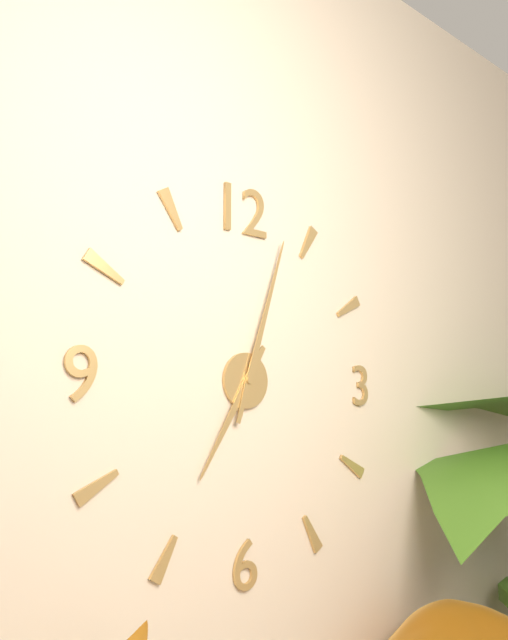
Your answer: 7,03
